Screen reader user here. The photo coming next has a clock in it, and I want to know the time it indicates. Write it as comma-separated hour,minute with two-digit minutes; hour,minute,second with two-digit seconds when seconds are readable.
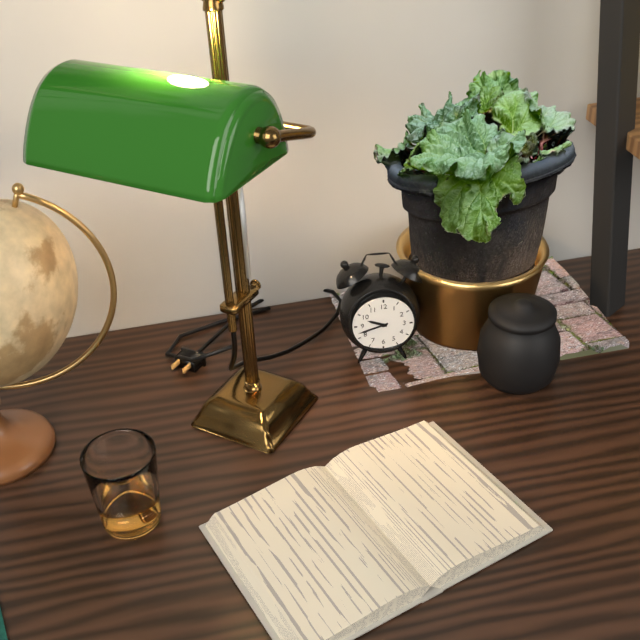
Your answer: 9,42
